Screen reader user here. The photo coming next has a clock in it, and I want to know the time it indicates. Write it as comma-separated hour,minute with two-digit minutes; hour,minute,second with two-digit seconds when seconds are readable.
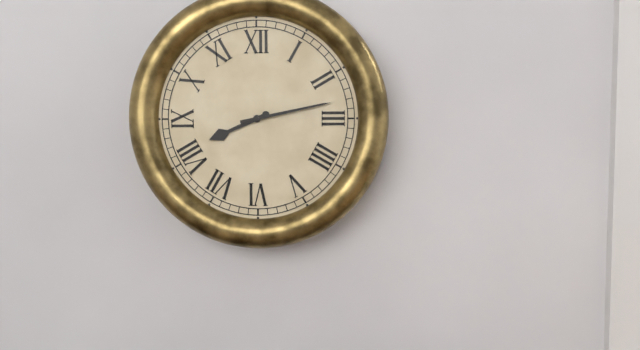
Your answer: 8,13
